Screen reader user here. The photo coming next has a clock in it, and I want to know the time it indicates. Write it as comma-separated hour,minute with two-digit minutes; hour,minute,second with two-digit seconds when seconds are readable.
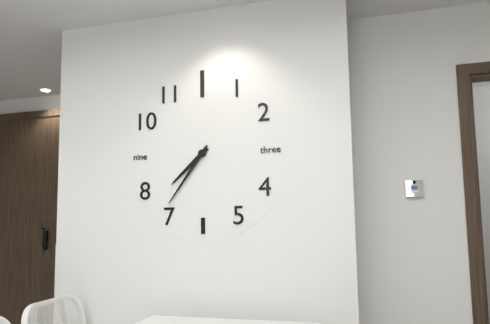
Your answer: 7,36
